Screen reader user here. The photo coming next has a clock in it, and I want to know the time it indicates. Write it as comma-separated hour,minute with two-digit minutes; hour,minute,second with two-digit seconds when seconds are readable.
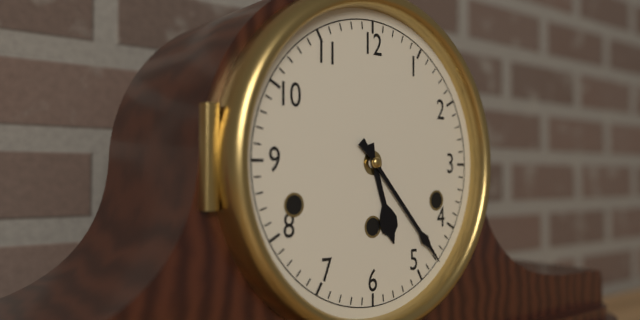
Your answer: 5,23
